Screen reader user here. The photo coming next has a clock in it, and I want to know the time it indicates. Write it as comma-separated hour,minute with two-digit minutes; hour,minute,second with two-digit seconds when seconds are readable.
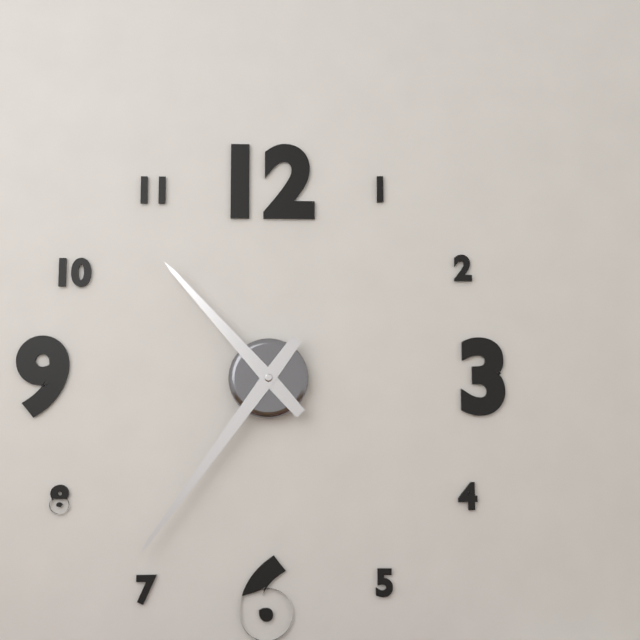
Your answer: 10,36
